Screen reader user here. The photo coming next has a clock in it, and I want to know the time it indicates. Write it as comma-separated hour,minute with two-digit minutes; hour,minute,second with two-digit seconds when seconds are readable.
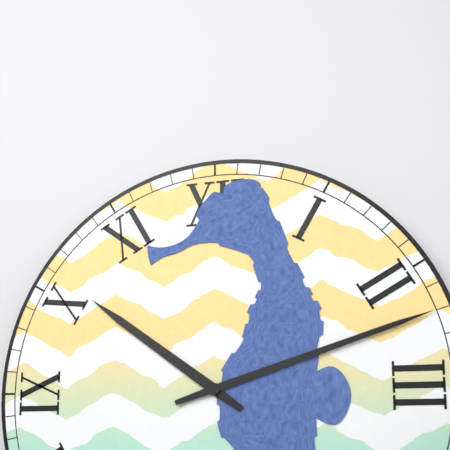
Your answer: 10,12
